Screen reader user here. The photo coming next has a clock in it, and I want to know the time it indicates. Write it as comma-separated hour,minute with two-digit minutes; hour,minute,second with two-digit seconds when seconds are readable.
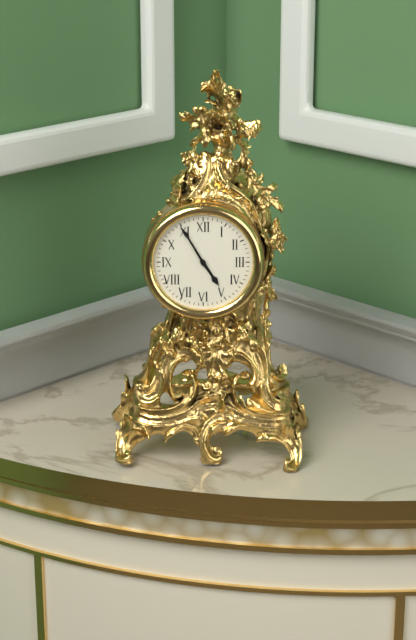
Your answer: 4,55
